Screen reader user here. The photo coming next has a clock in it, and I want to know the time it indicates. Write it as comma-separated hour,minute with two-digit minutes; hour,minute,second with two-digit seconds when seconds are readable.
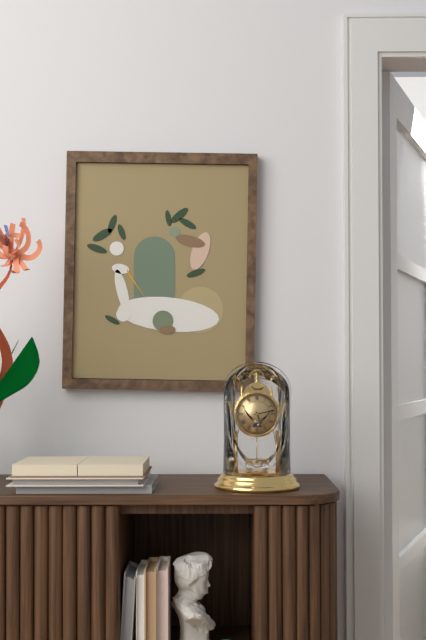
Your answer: 5,13
